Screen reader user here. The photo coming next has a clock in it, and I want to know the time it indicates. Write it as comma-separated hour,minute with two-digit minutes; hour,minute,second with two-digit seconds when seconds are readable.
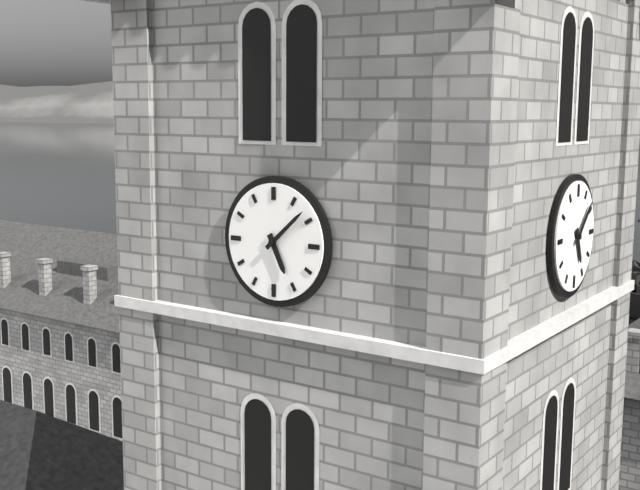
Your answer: 5,08
